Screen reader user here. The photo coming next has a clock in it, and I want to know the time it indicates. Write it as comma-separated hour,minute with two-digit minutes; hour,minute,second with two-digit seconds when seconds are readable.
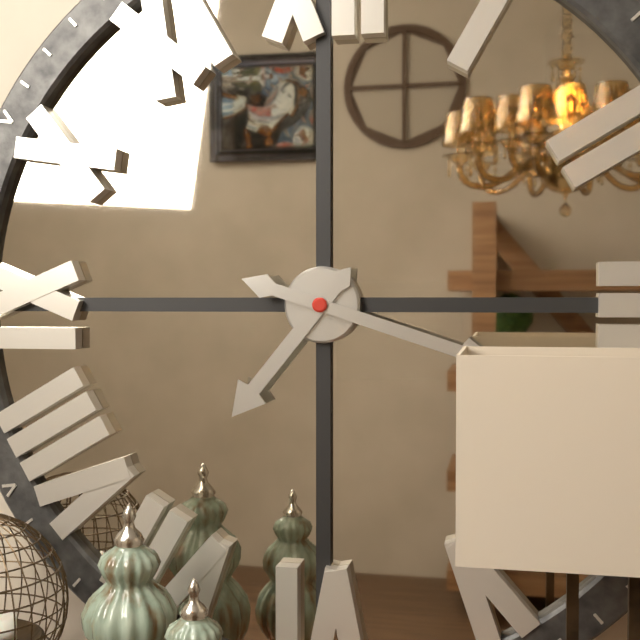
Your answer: 7,18
